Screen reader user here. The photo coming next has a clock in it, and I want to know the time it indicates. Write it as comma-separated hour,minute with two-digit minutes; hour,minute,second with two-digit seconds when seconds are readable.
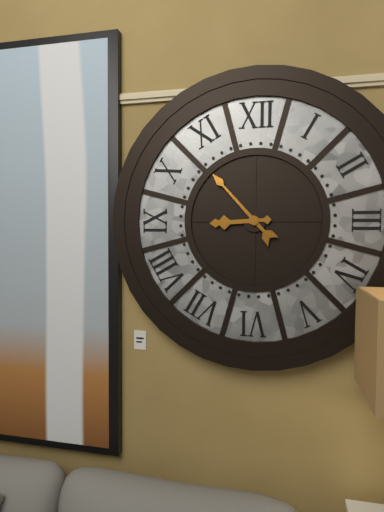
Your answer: 8,53
